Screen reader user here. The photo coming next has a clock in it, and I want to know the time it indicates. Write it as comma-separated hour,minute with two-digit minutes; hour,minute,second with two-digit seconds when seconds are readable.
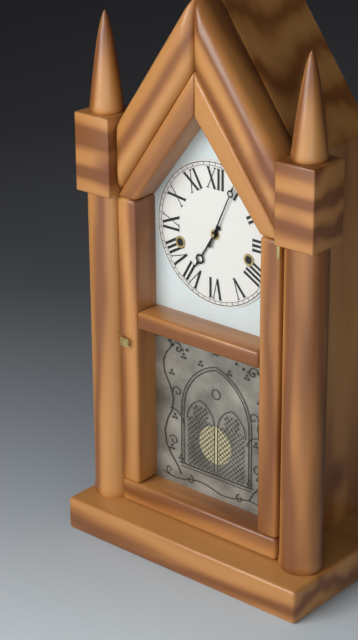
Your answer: 7,04
